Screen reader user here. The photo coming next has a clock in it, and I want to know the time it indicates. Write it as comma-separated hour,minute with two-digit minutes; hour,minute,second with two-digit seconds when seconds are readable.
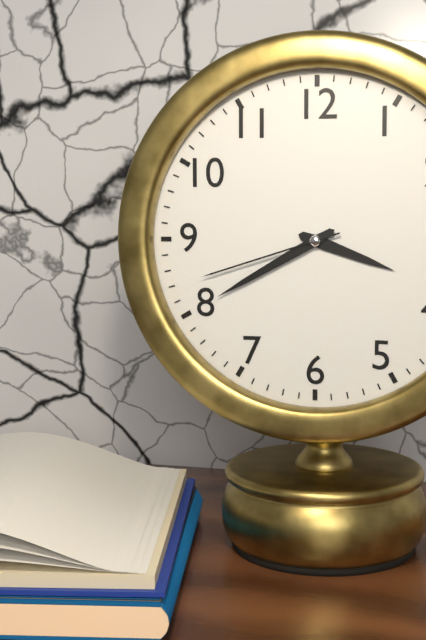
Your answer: 3,40,42
